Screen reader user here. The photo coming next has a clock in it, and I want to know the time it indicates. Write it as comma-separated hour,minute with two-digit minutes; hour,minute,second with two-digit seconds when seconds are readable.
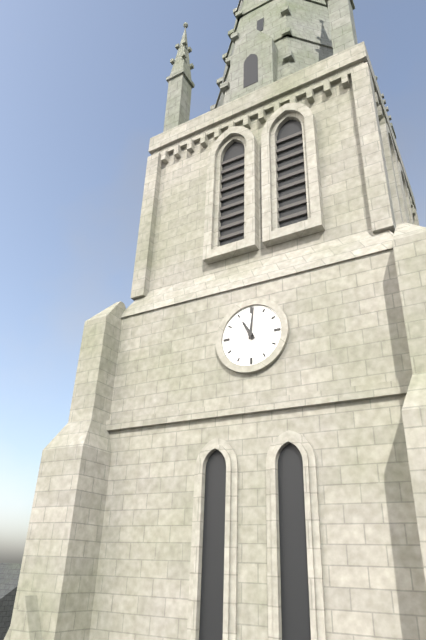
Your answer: 11,01
